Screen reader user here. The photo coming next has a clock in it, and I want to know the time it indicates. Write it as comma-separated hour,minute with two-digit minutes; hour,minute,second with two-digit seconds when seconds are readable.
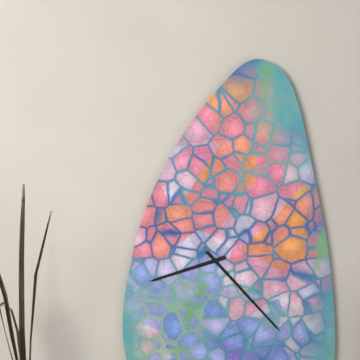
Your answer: 8,23
